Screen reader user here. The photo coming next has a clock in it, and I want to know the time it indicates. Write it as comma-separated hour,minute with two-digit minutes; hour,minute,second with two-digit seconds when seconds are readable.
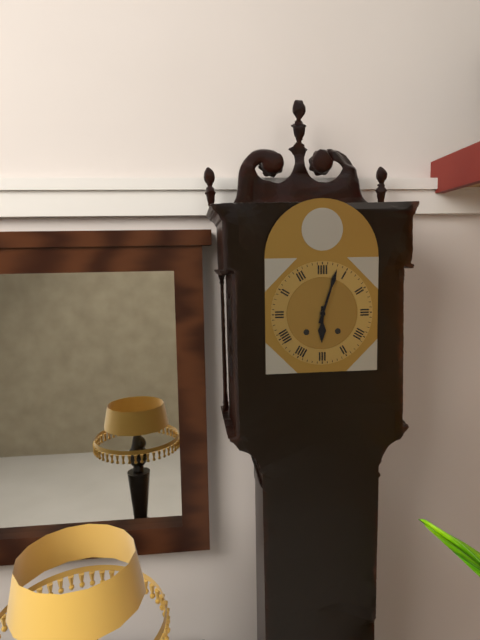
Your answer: 6,03
